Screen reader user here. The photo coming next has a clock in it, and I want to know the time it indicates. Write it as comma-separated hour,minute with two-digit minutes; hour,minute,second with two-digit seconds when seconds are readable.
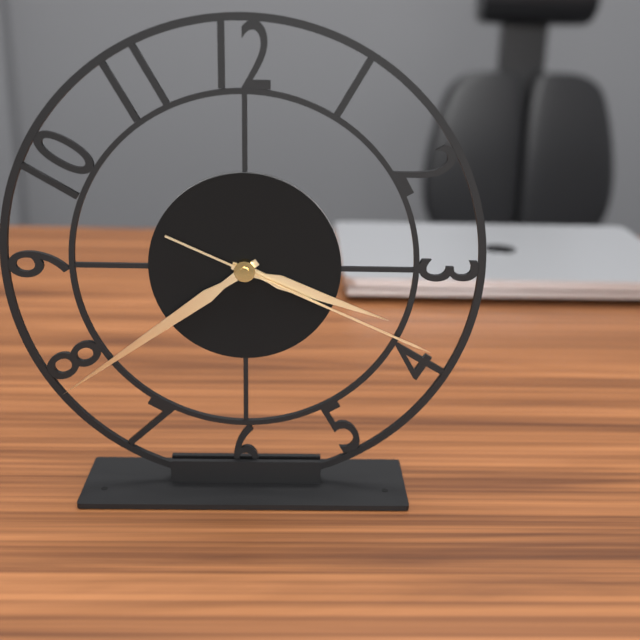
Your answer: 3,39,19
